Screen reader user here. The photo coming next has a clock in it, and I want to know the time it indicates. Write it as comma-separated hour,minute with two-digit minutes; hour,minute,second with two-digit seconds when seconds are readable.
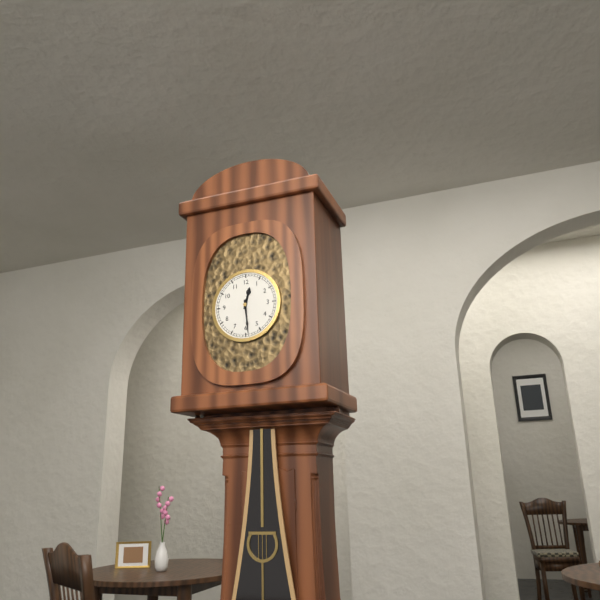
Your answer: 12,29
